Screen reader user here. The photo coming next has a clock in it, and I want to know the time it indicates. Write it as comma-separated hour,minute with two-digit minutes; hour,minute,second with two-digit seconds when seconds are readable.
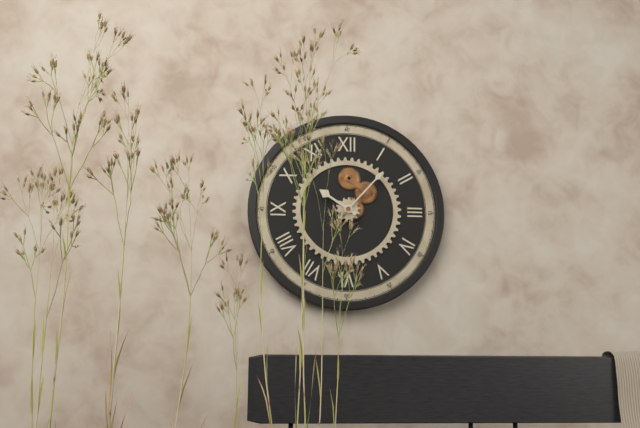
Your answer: 10,07
